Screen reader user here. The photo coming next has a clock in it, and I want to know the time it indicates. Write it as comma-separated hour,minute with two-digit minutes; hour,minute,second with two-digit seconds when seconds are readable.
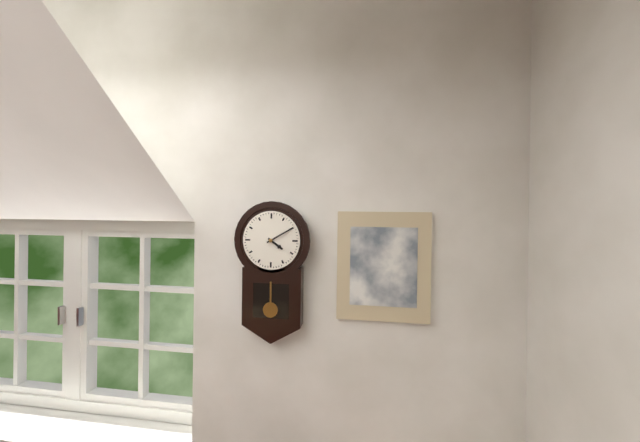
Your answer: 4,10
